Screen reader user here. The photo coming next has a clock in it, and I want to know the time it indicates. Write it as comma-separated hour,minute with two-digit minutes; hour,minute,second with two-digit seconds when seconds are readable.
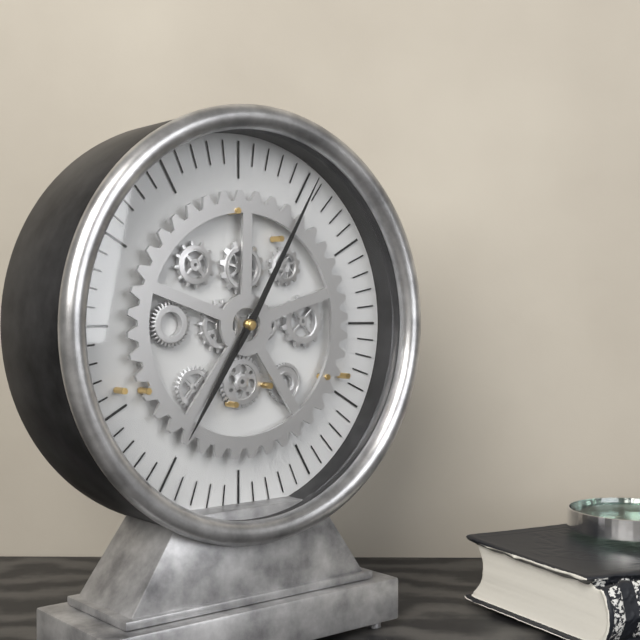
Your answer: 7,05
